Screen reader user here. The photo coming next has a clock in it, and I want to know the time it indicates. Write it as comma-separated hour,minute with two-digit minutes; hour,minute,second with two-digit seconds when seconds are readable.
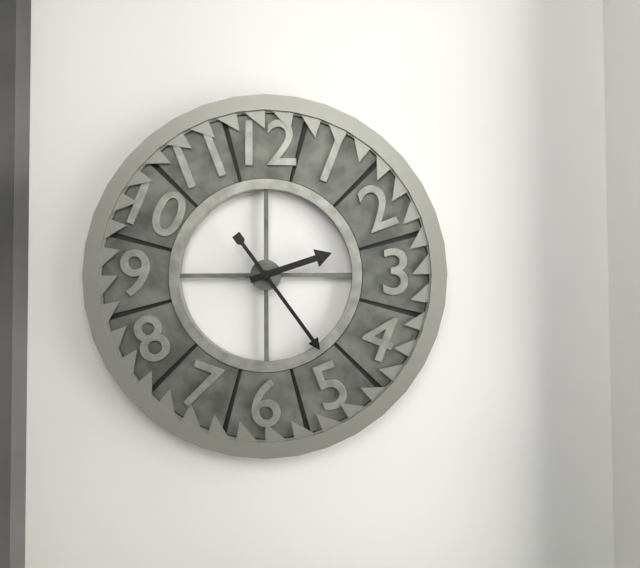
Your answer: 2,24
